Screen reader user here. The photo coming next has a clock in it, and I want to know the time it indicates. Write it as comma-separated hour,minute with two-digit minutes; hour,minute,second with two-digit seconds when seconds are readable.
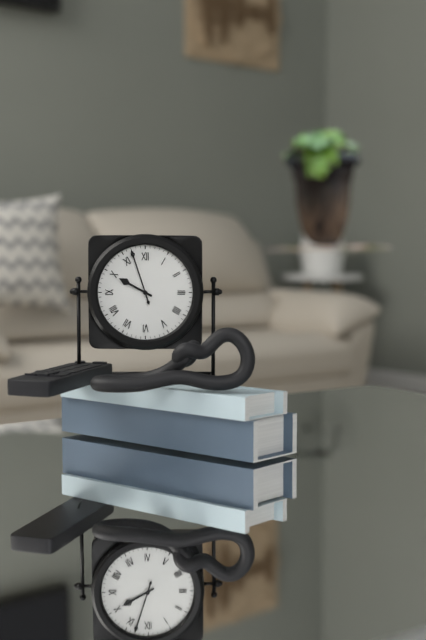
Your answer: 9,57
